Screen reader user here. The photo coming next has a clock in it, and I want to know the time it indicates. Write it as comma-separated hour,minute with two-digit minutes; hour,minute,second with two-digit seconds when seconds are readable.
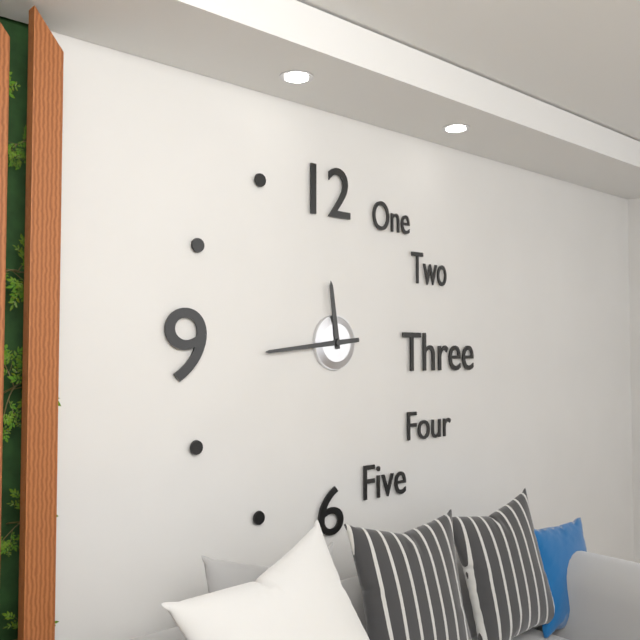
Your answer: 11,44
